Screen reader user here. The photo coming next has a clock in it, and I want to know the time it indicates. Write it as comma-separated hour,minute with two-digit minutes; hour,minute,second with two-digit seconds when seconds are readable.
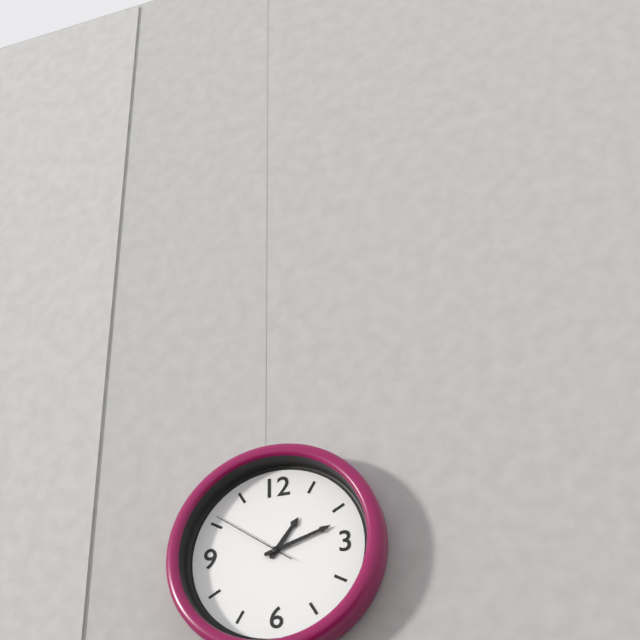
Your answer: 1,12,51
